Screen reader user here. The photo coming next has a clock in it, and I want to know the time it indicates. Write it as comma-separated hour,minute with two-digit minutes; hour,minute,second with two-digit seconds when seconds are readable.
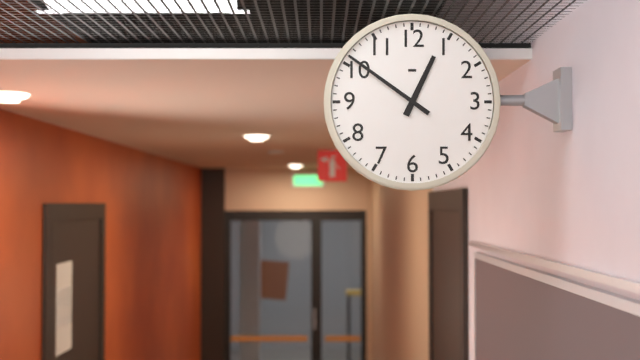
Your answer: 12,51
